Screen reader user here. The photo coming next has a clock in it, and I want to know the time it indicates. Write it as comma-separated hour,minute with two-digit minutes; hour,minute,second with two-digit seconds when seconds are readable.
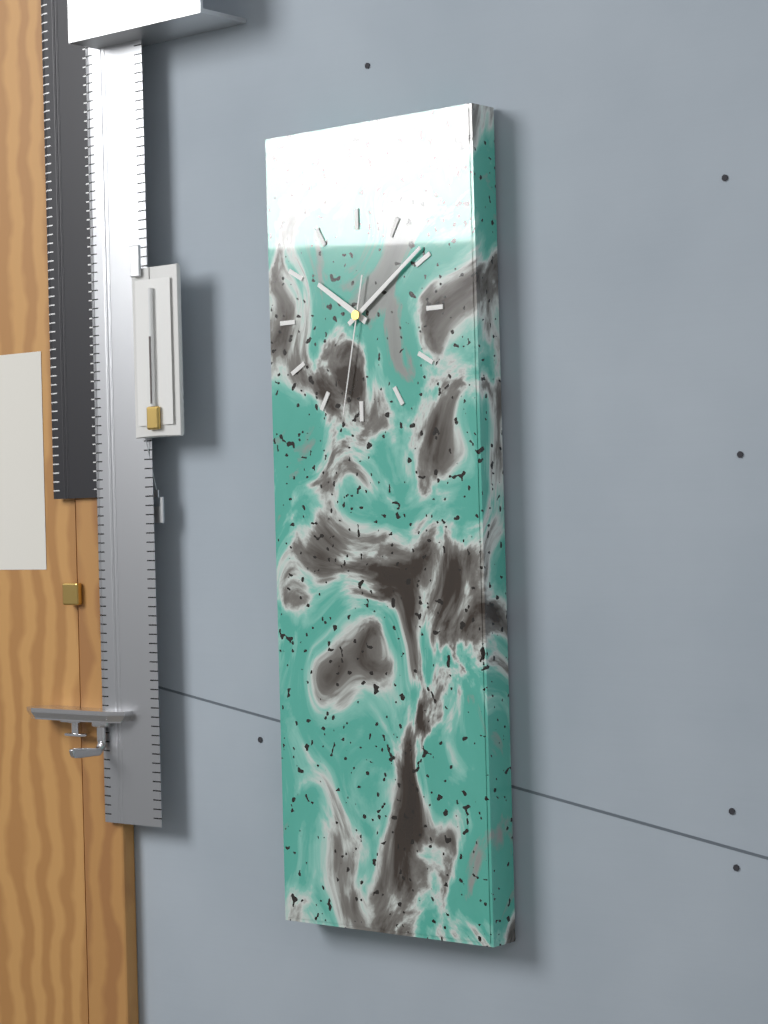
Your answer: 10,09,32
